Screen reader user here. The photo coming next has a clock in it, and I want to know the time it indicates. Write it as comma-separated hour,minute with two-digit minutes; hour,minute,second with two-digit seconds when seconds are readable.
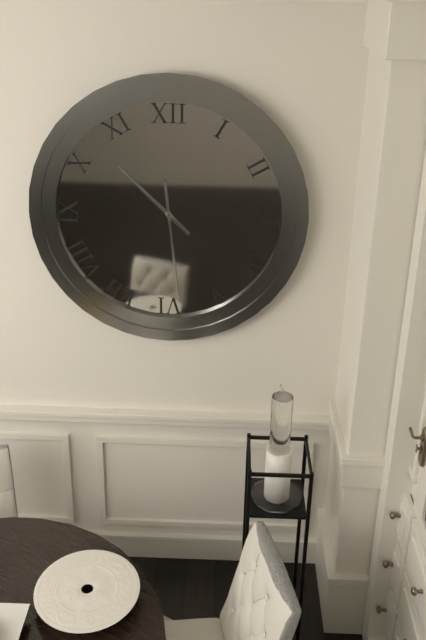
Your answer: 10,29
